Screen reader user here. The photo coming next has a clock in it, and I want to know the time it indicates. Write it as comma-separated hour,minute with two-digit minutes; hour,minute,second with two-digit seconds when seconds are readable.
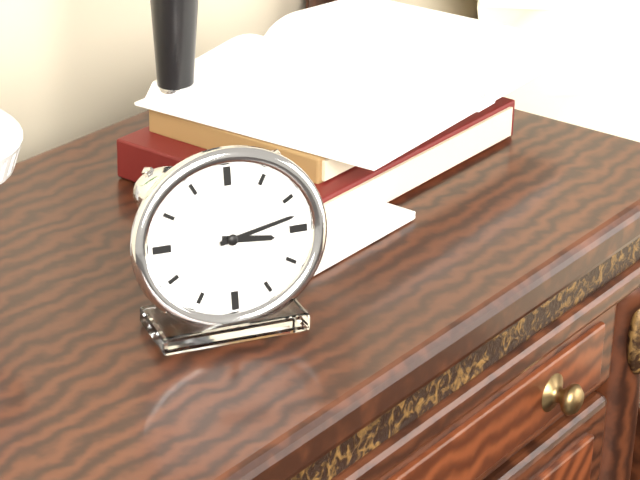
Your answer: 3,13
